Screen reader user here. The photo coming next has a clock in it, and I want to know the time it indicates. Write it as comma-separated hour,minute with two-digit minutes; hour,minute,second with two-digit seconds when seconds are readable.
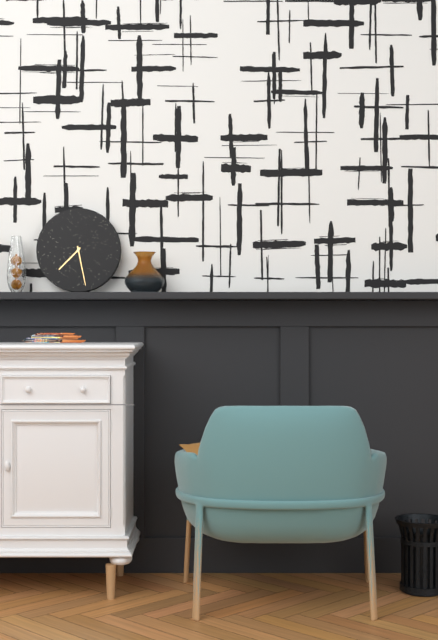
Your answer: 7,28
